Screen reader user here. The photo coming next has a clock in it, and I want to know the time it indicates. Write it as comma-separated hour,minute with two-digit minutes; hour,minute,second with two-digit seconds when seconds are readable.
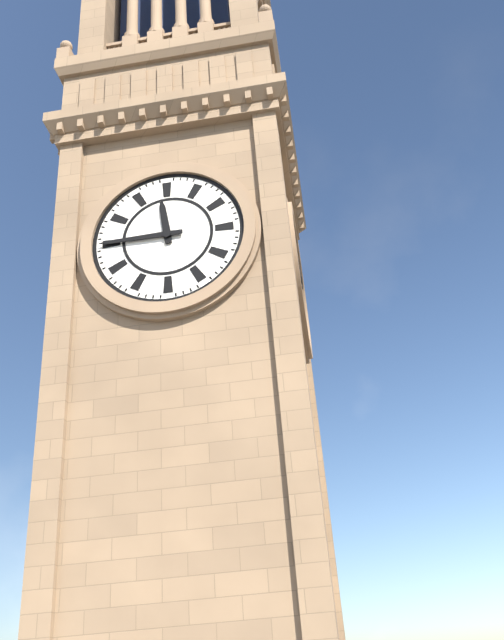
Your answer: 11,45
